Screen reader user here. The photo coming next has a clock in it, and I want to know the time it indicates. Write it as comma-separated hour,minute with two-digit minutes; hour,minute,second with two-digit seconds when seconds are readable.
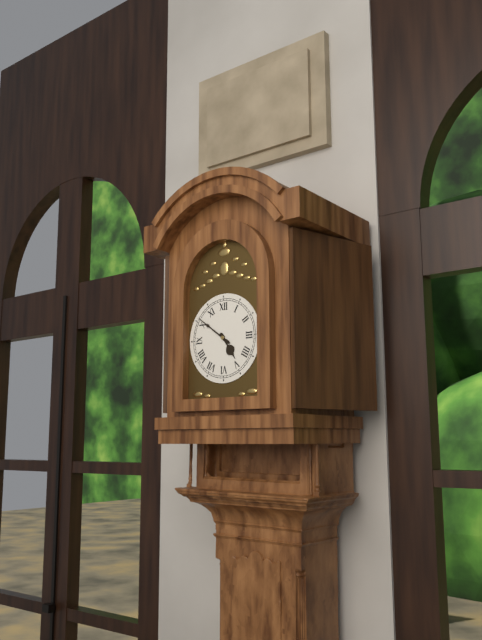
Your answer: 4,51
